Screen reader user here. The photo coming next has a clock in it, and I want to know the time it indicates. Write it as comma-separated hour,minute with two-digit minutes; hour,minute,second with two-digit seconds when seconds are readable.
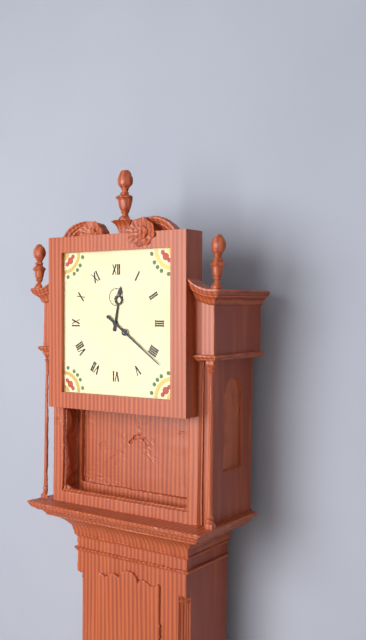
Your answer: 12,21
